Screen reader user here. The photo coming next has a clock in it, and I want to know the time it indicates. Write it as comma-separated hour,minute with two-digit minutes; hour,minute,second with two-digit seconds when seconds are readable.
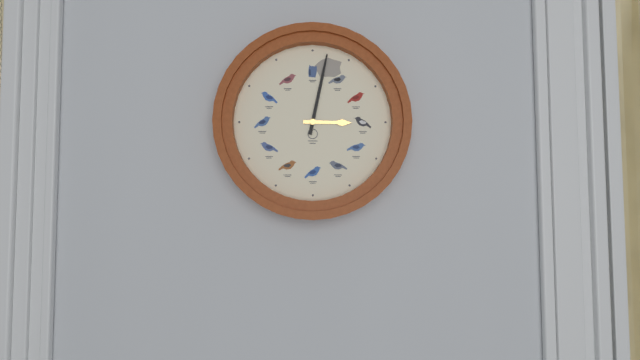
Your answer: 3,02
